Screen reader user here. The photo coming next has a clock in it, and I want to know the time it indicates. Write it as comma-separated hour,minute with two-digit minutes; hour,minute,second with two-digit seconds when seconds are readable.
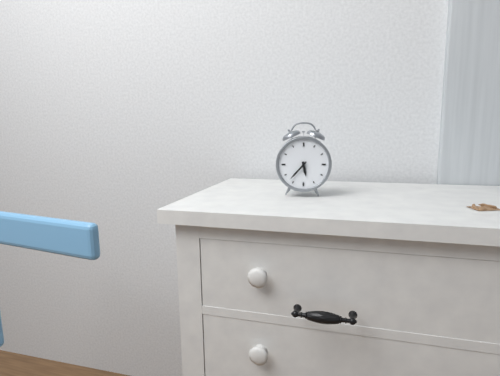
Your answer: 5,37
